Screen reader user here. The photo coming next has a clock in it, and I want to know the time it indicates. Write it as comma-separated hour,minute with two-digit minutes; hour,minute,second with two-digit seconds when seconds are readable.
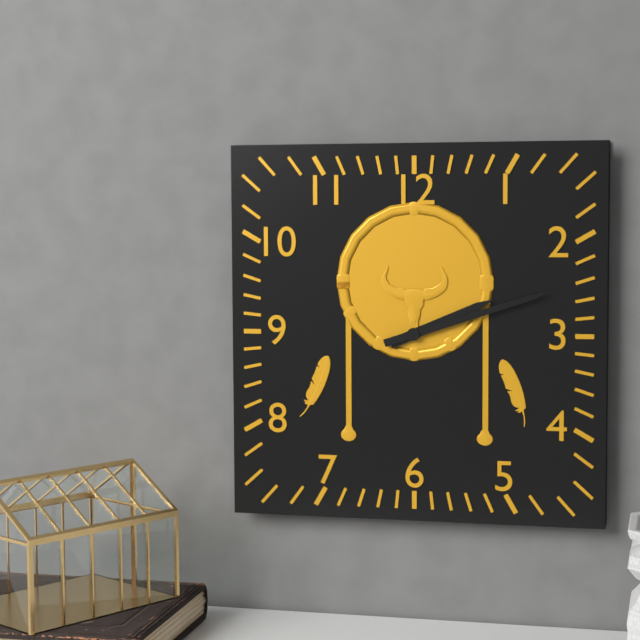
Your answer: 2,12
